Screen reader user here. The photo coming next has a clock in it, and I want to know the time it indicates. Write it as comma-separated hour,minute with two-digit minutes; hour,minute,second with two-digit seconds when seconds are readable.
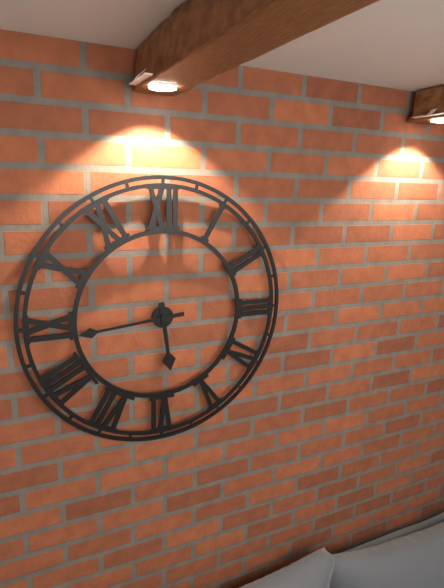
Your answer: 5,44
